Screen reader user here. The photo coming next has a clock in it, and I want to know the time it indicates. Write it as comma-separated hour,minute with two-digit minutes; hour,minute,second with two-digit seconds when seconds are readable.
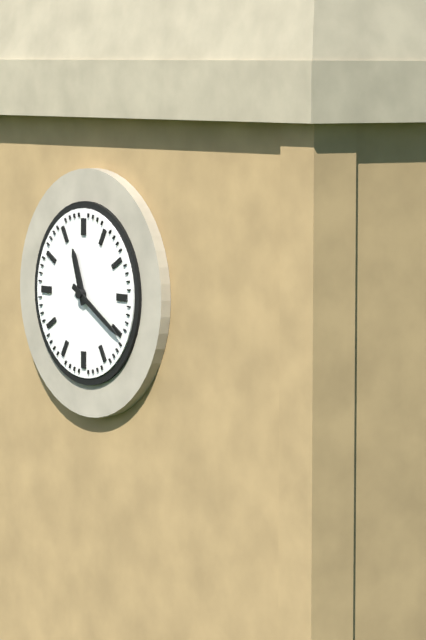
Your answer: 11,20
